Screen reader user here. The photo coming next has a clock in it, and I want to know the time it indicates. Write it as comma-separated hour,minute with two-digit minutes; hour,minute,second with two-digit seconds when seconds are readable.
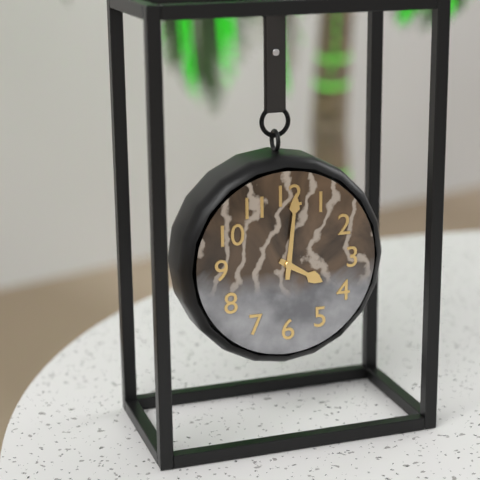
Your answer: 4,01
